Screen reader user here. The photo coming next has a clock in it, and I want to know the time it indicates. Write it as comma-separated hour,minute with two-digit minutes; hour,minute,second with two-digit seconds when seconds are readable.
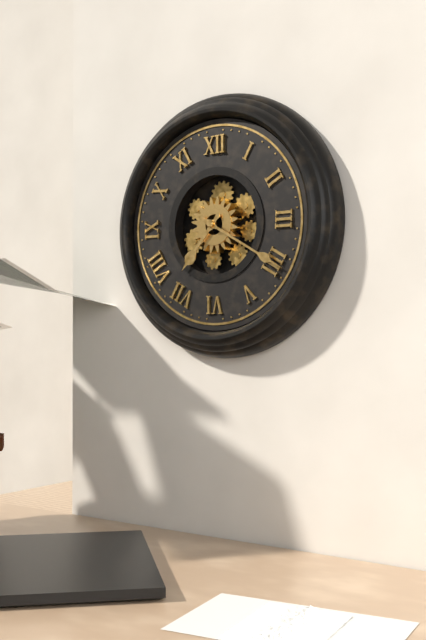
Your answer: 7,20
